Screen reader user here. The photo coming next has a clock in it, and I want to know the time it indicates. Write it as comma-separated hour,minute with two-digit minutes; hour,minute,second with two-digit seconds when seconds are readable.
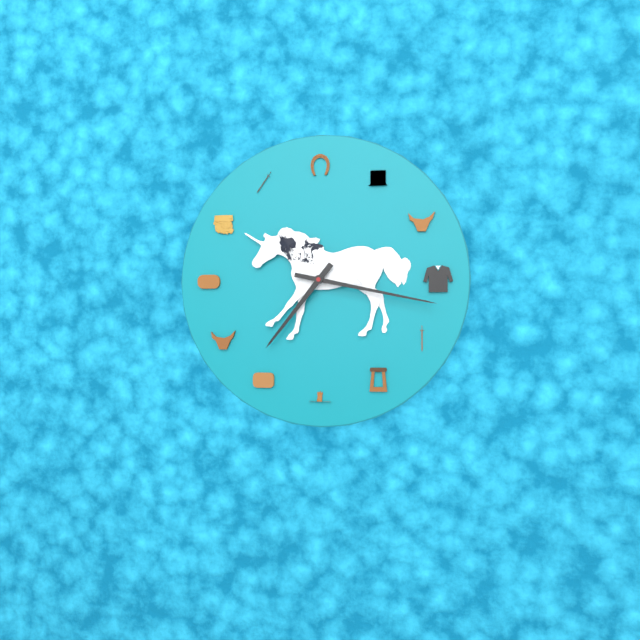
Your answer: 7,17
